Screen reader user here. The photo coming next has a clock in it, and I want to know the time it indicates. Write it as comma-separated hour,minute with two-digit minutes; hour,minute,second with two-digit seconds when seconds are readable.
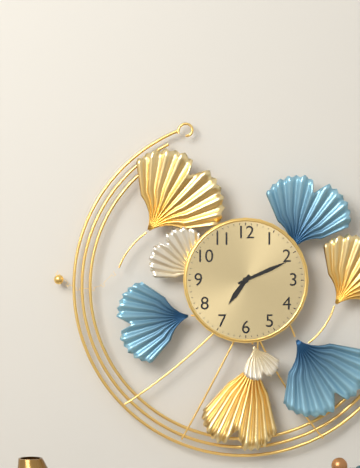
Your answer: 7,11
